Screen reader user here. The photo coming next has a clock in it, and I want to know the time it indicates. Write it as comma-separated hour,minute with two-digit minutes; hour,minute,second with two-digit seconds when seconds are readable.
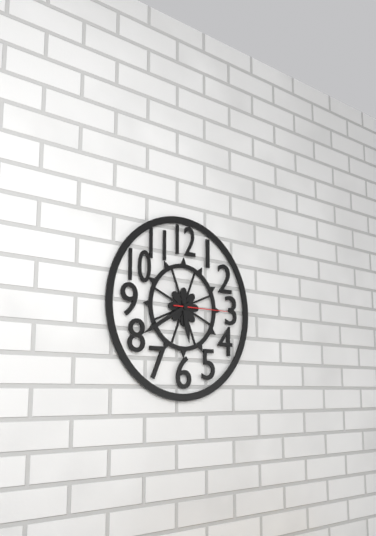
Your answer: 5,40,15
